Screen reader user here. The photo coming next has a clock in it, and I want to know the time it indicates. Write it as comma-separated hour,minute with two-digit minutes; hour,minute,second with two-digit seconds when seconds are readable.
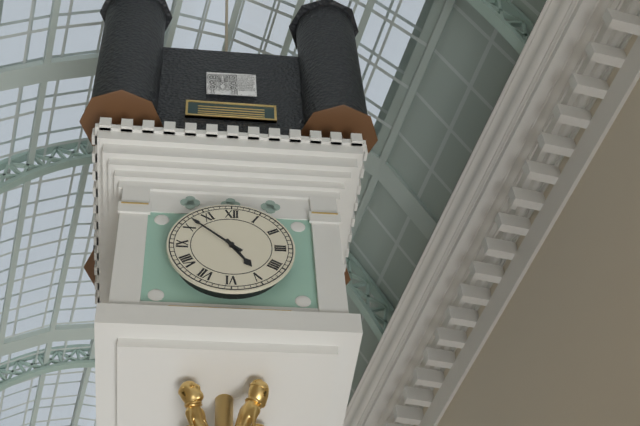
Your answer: 4,52
